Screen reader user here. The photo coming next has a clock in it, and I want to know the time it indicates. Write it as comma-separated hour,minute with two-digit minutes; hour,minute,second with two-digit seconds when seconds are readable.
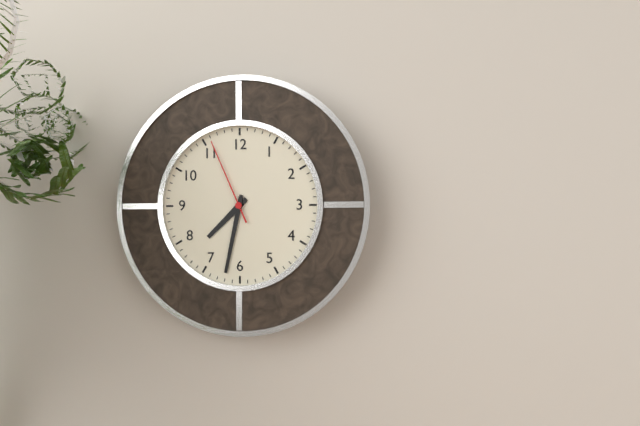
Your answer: 7,32,56
